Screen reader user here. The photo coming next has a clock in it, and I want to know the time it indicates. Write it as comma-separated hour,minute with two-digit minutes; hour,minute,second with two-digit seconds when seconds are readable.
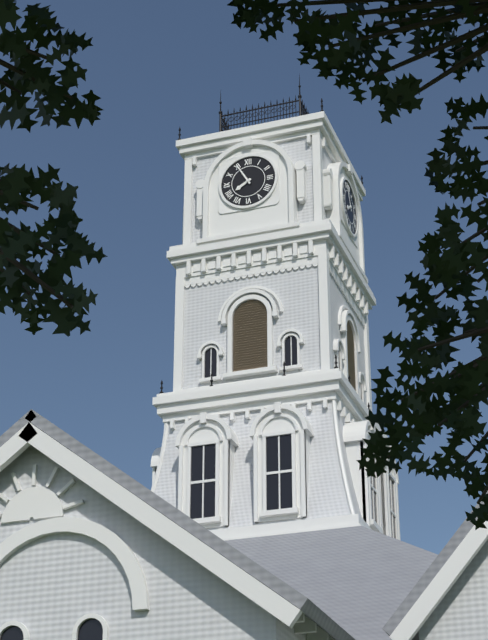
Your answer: 7,55
